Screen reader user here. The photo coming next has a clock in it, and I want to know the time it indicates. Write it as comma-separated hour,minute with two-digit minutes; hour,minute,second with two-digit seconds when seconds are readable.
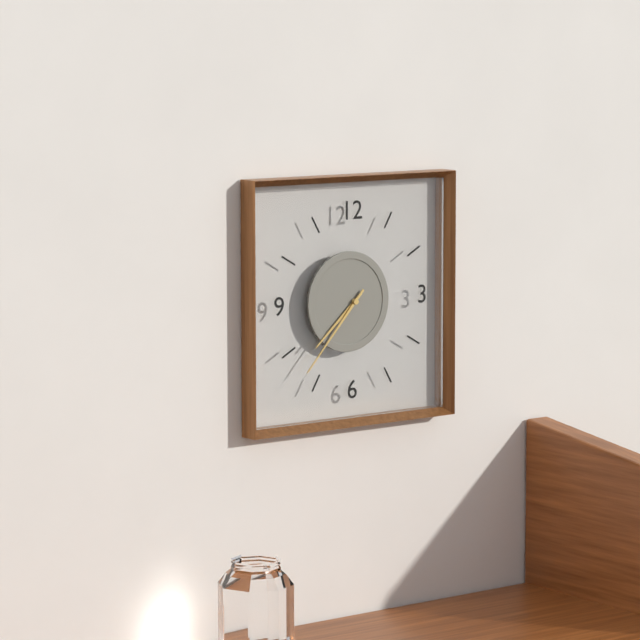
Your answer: 7,37
